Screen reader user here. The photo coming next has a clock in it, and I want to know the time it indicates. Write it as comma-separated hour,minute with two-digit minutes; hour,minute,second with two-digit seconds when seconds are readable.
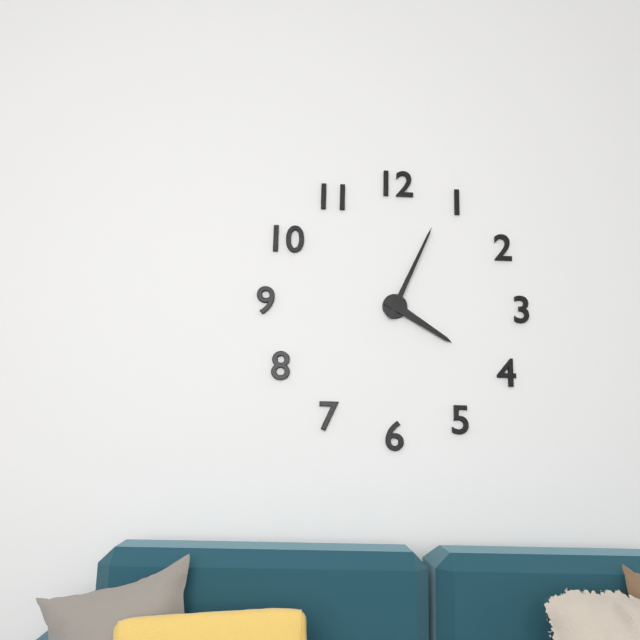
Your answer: 4,04
